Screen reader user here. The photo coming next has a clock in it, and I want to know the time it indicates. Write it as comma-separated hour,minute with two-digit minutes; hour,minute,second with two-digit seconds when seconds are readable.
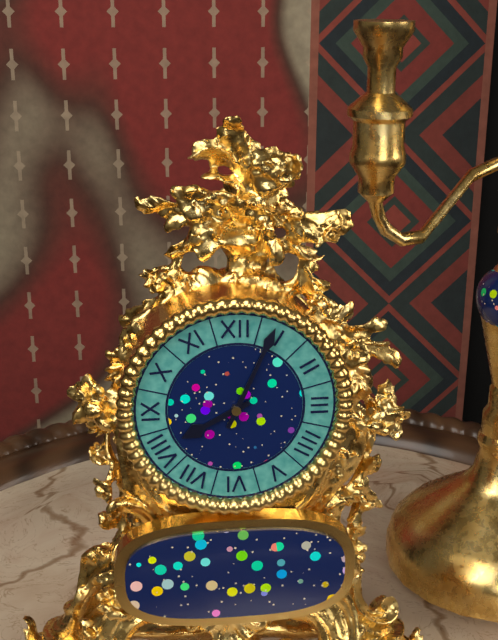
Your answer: 8,04
